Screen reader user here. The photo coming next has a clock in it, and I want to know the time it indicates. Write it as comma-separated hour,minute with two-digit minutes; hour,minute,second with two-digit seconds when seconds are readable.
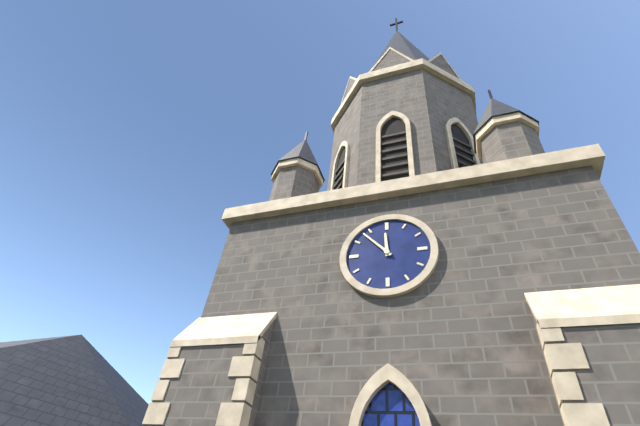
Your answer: 11,53
